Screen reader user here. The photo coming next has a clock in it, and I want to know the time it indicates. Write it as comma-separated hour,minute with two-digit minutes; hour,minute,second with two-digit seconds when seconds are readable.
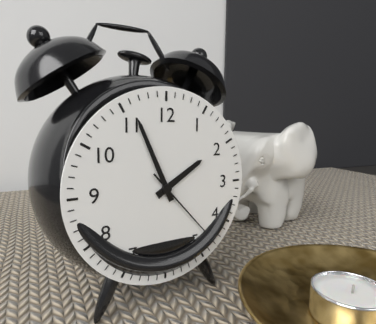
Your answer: 1,56,23
